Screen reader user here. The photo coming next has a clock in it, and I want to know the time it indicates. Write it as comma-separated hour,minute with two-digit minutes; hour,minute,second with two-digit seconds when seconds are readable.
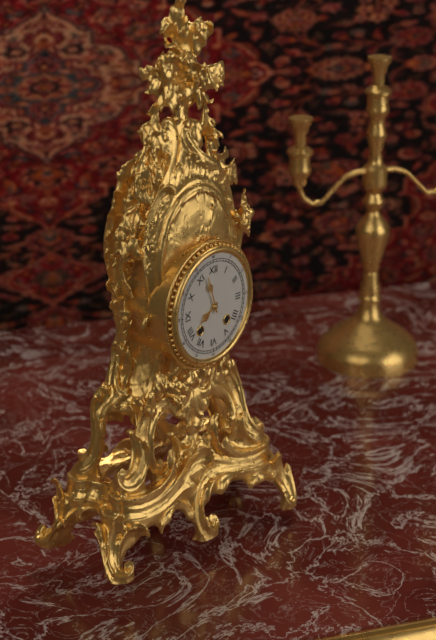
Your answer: 7,57
